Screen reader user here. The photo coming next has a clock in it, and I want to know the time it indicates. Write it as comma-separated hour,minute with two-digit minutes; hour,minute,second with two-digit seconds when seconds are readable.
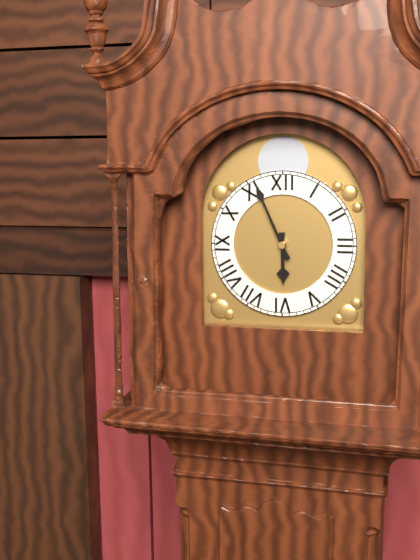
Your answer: 5,56
